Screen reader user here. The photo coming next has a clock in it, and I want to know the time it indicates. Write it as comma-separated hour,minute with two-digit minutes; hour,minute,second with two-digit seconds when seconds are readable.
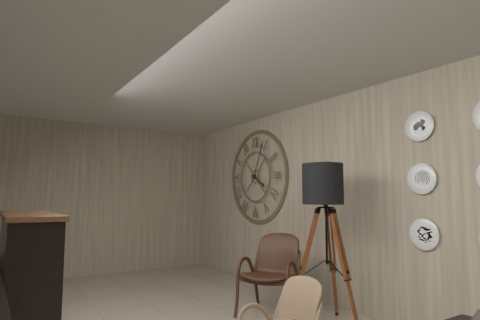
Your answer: 4,04
